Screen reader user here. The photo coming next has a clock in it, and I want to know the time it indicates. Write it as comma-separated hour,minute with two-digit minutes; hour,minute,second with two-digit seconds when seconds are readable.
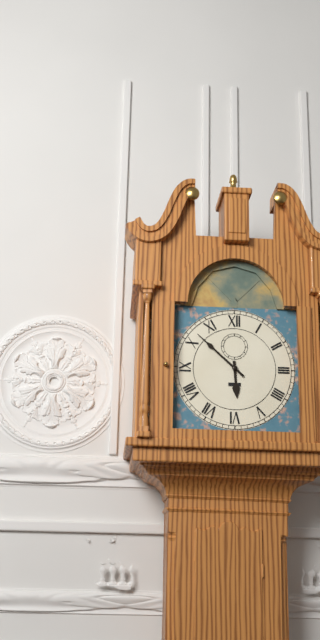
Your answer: 5,52
